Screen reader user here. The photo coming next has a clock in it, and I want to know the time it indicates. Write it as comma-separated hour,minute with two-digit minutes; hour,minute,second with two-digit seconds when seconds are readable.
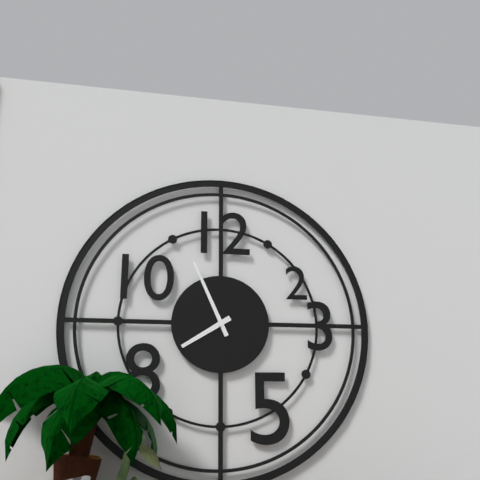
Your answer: 7,56
